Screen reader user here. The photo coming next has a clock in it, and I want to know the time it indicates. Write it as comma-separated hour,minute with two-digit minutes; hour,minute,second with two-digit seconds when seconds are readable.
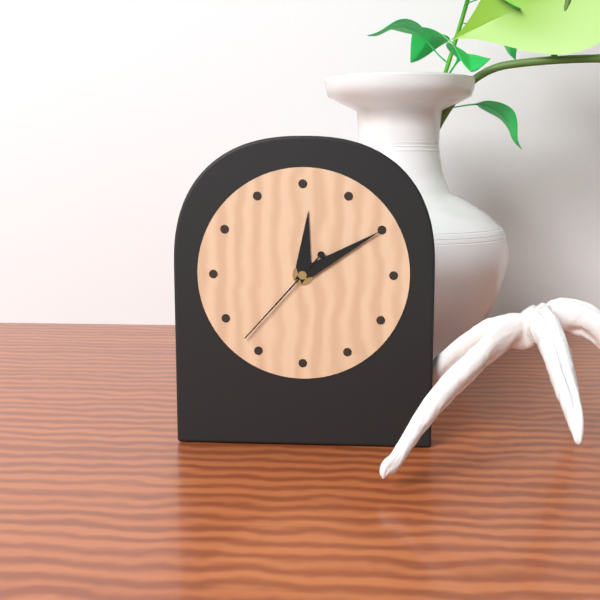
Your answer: 12,10,37
